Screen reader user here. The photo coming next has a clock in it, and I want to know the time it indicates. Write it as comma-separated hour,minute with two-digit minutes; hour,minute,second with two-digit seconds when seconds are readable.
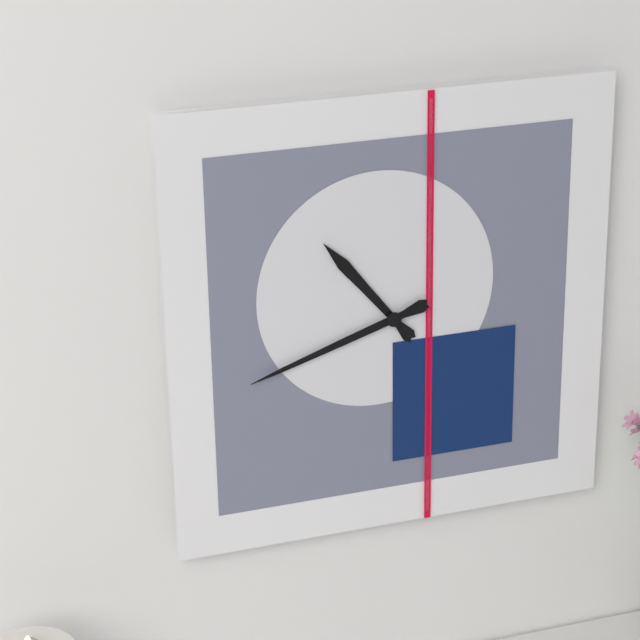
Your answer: 10,42
